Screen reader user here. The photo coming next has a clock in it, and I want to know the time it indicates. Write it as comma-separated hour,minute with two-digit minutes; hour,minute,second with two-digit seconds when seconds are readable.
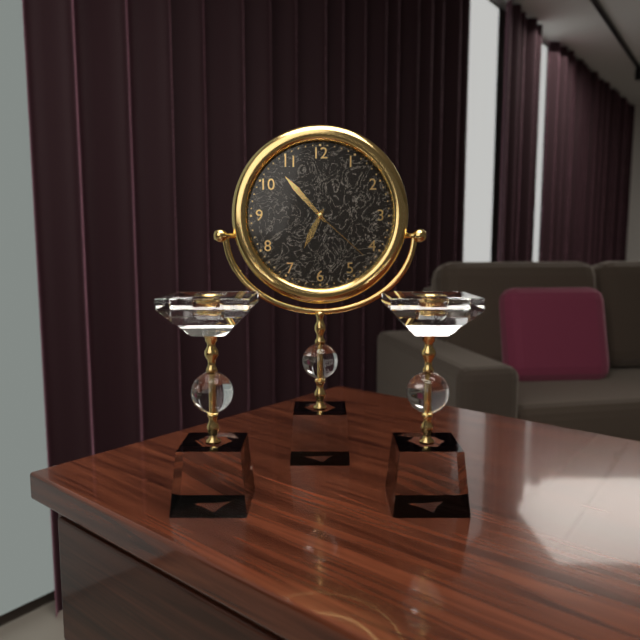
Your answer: 6,53,22
